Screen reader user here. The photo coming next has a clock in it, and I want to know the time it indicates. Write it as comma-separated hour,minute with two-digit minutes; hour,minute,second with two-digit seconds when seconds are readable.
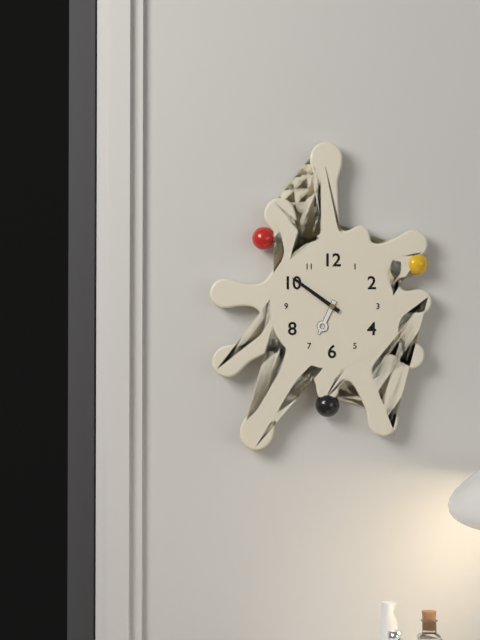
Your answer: 6,51
